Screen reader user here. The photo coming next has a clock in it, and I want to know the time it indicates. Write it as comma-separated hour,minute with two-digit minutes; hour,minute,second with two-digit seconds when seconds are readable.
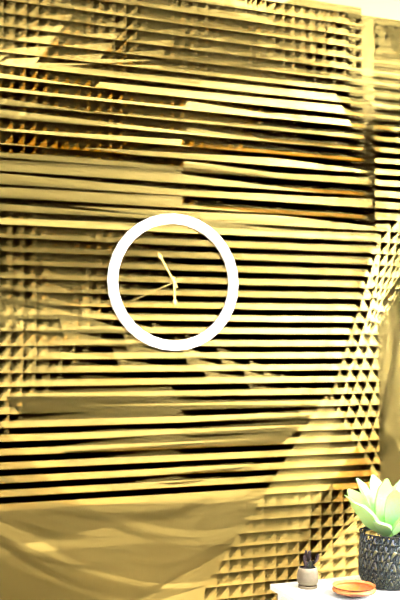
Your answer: 5,55,41
